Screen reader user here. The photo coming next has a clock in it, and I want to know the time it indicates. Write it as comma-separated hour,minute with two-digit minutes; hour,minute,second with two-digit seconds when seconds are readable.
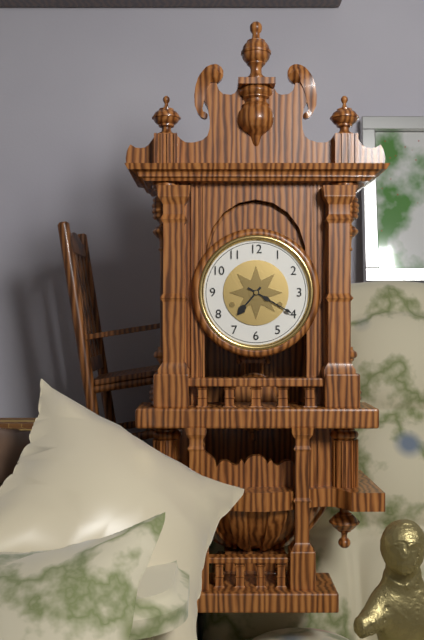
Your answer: 7,20
